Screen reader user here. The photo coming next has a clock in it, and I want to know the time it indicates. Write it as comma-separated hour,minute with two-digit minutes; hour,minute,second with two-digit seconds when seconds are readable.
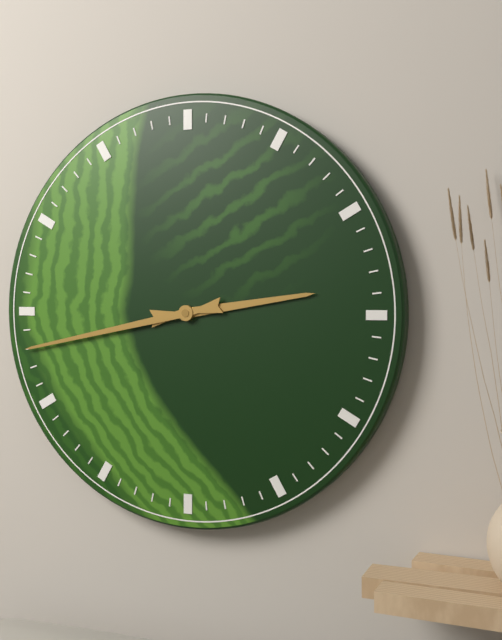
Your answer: 2,43
